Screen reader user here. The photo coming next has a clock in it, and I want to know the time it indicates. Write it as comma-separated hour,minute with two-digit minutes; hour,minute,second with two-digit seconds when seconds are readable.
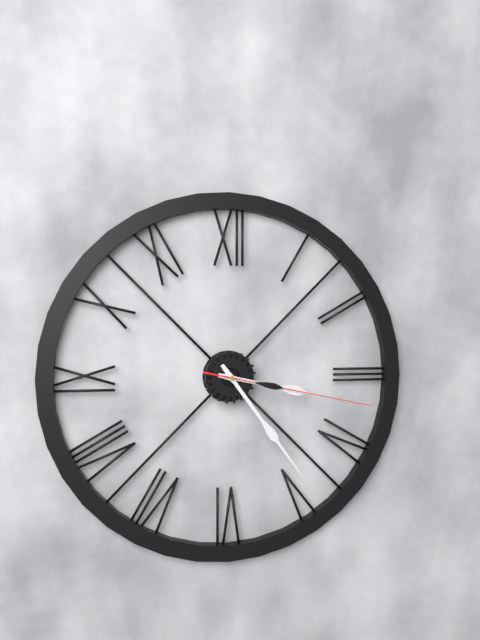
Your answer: 3,24,17
